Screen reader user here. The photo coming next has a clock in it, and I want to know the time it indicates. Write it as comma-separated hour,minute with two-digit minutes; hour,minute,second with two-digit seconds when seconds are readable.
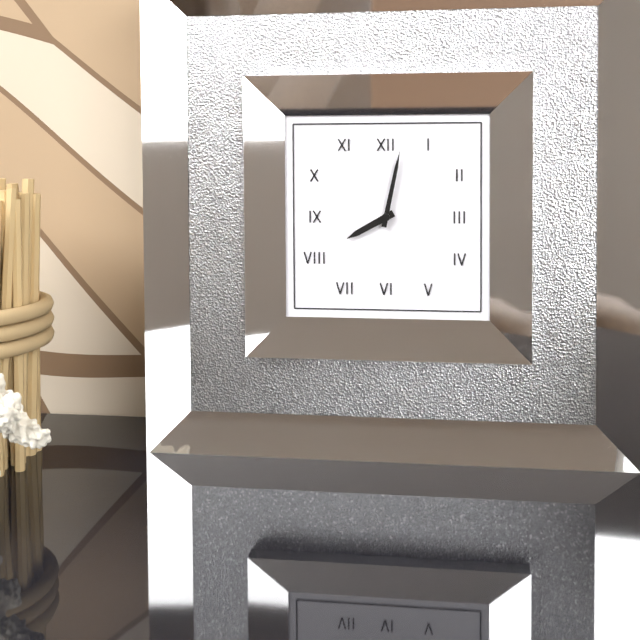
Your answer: 8,02
